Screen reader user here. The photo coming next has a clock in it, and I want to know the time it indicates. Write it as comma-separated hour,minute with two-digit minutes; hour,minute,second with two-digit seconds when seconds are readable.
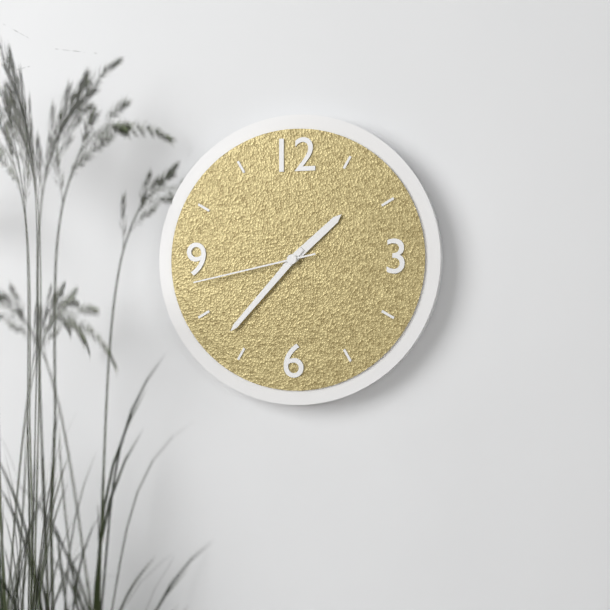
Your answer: 1,37,43
